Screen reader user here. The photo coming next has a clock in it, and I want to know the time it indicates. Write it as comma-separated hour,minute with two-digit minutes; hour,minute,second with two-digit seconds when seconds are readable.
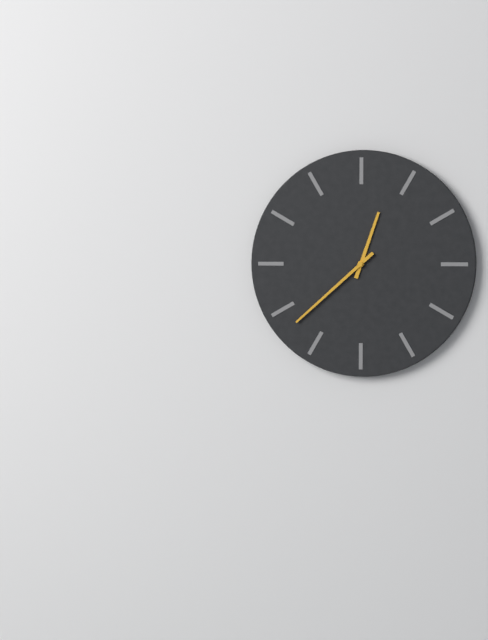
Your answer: 12,38
